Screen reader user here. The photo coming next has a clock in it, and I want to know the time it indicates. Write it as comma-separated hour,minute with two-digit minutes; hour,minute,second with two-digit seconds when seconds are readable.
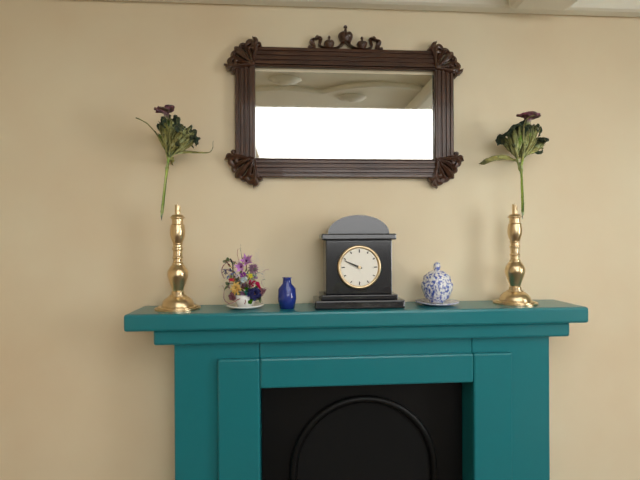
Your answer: 9,49
